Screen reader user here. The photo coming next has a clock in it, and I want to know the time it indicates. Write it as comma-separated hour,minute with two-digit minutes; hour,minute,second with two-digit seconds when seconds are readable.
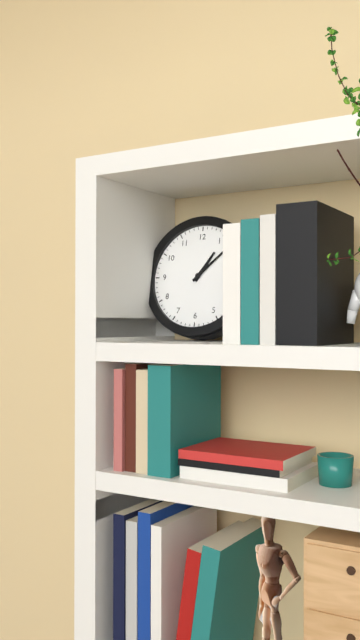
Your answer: 1,08
